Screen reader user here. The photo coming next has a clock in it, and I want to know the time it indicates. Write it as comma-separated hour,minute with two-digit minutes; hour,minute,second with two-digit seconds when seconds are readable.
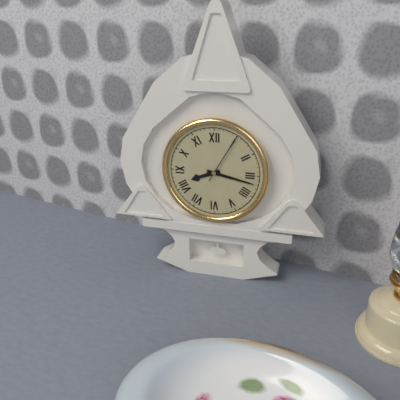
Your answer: 8,17
